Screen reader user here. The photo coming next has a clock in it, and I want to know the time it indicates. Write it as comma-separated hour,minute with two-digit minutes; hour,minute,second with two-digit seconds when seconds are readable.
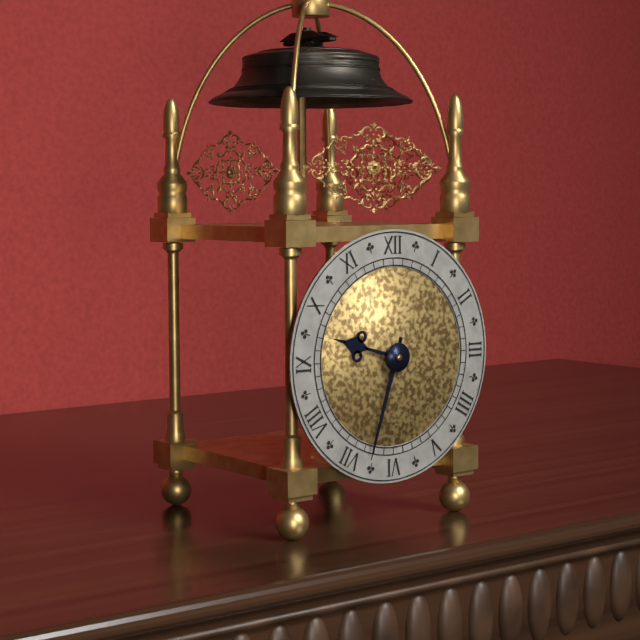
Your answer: 9,33
